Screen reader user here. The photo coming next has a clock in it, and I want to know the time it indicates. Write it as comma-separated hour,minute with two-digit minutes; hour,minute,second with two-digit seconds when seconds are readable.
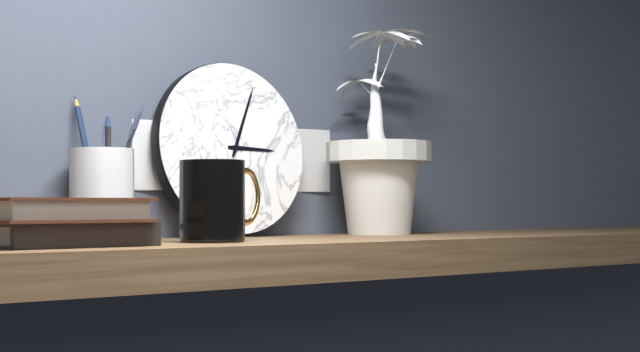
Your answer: 3,04
